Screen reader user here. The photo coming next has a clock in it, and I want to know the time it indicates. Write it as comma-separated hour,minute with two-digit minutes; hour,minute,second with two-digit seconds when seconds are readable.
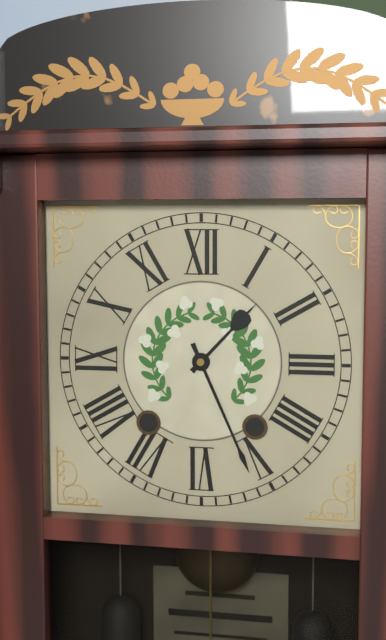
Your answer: 1,26
